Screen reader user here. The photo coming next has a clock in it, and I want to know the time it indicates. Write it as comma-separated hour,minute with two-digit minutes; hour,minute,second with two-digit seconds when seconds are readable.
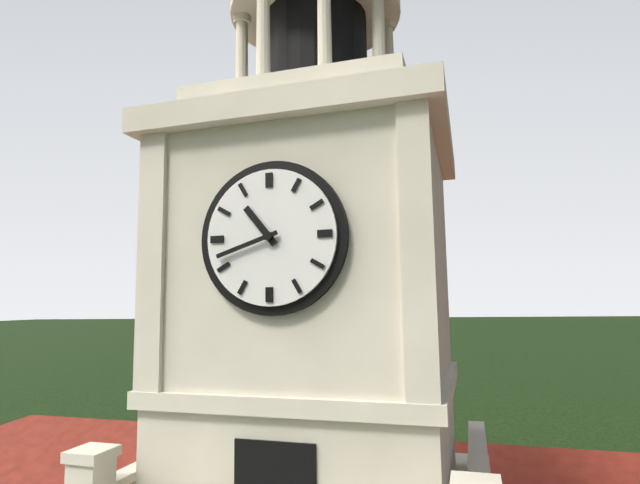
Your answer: 10,42
